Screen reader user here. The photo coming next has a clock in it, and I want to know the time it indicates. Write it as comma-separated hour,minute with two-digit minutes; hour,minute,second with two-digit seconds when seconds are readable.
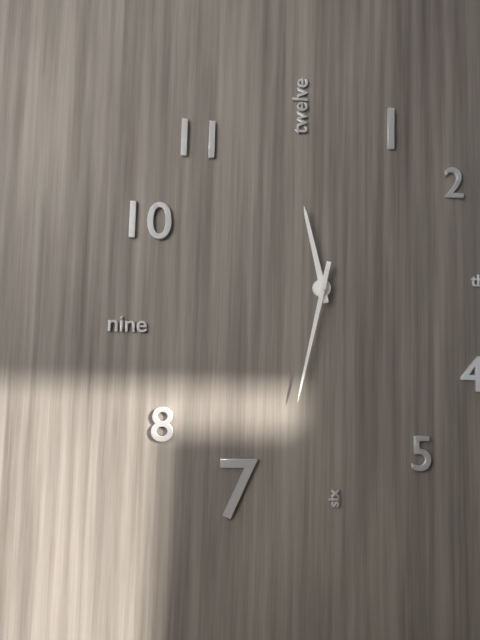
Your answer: 11,32
